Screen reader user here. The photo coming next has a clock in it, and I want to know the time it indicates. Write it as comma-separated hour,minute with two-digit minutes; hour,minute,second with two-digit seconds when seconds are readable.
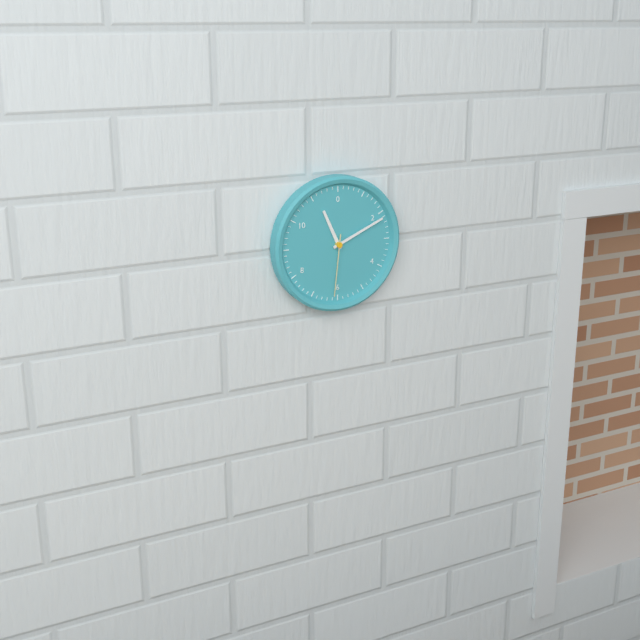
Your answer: 11,11,31
